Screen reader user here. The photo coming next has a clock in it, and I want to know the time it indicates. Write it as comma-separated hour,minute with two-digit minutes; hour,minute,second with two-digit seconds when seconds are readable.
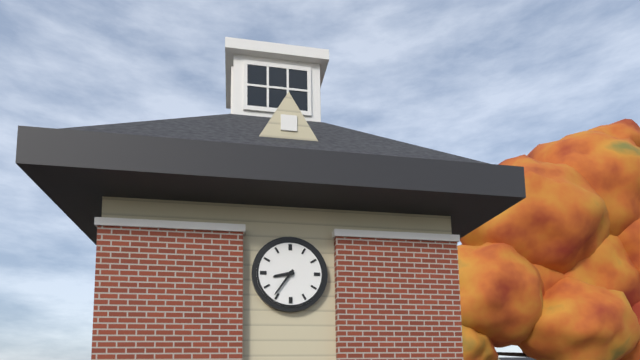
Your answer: 8,36
